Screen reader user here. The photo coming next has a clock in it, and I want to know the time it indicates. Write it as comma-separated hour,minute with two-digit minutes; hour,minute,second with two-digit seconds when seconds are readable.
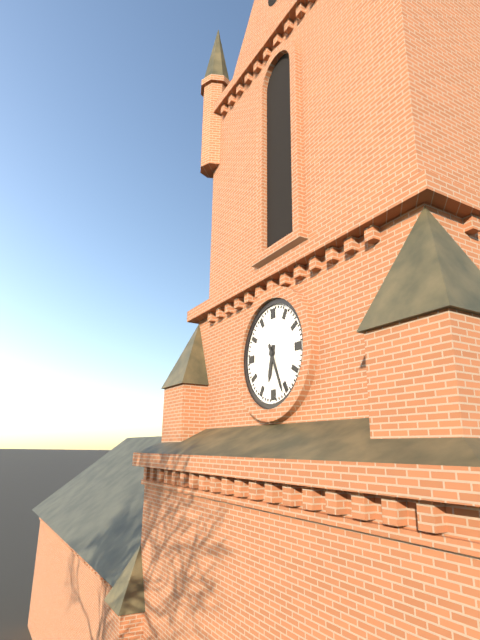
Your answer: 6,26
